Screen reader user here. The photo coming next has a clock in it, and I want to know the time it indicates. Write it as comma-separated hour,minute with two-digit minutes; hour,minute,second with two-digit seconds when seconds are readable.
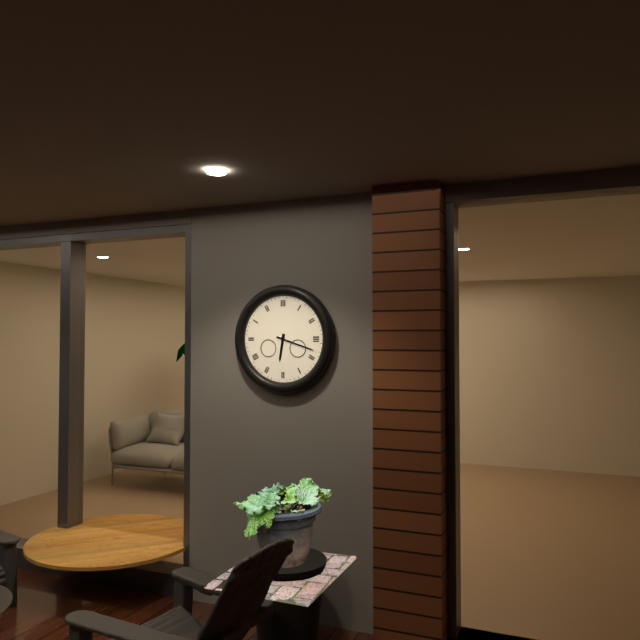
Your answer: 6,18
